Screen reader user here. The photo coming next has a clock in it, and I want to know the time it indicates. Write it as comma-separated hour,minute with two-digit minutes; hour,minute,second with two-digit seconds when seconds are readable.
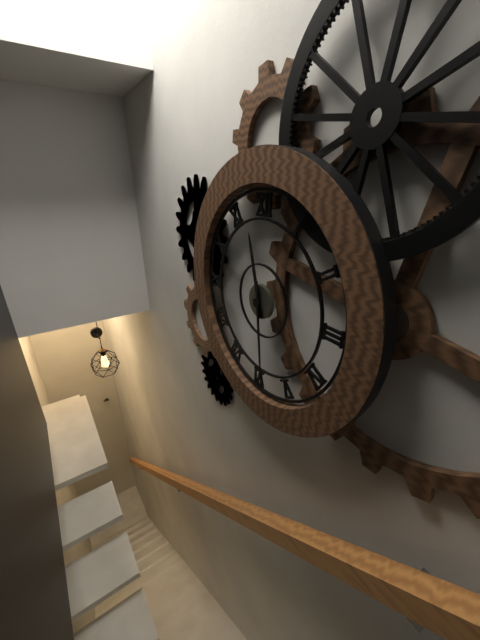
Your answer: 11,29
